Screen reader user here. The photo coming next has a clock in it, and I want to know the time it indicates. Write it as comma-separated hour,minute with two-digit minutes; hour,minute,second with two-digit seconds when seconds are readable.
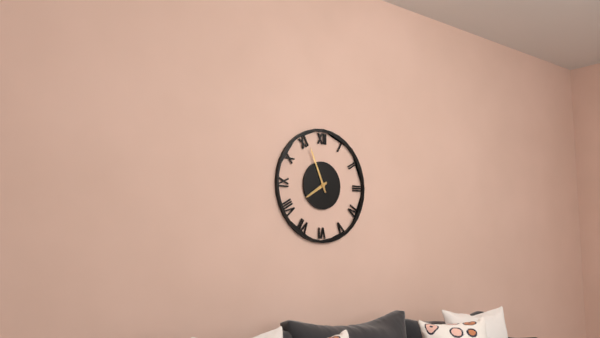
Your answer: 7,56
